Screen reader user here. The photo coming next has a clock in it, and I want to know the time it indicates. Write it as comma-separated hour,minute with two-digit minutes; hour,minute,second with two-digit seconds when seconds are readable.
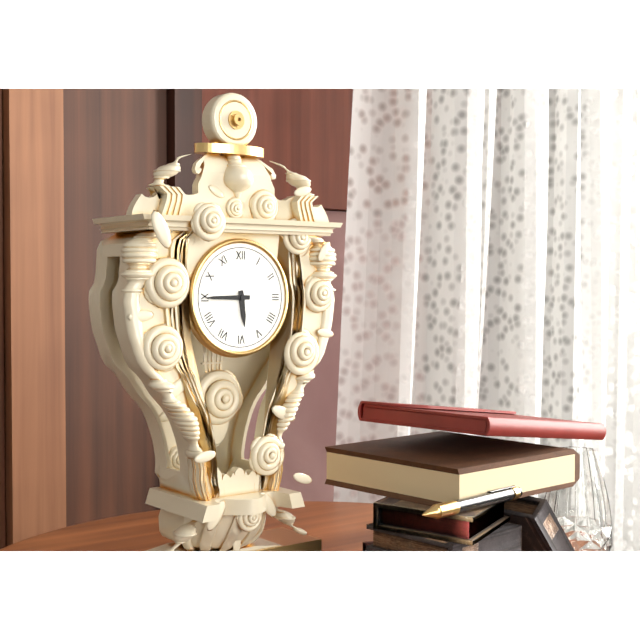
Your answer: 5,45
